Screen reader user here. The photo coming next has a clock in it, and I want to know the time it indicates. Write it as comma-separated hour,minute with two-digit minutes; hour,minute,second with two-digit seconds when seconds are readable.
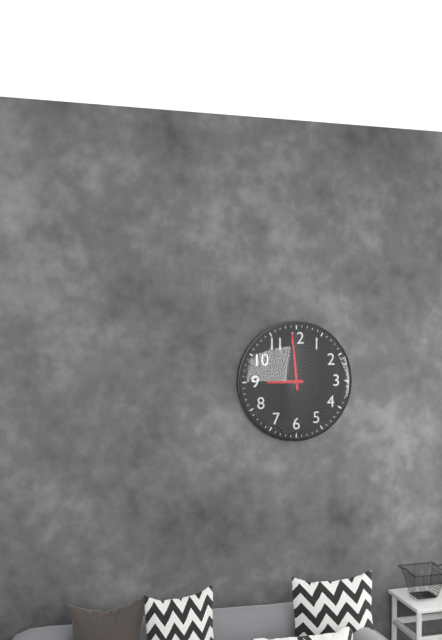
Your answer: 8,59
